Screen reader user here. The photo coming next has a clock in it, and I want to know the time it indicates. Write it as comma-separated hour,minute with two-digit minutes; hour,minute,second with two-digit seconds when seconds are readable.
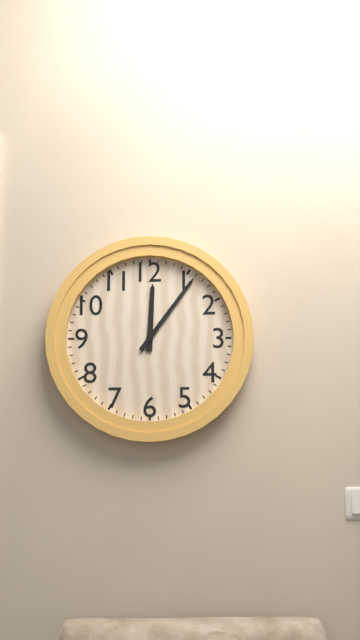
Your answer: 12,06
